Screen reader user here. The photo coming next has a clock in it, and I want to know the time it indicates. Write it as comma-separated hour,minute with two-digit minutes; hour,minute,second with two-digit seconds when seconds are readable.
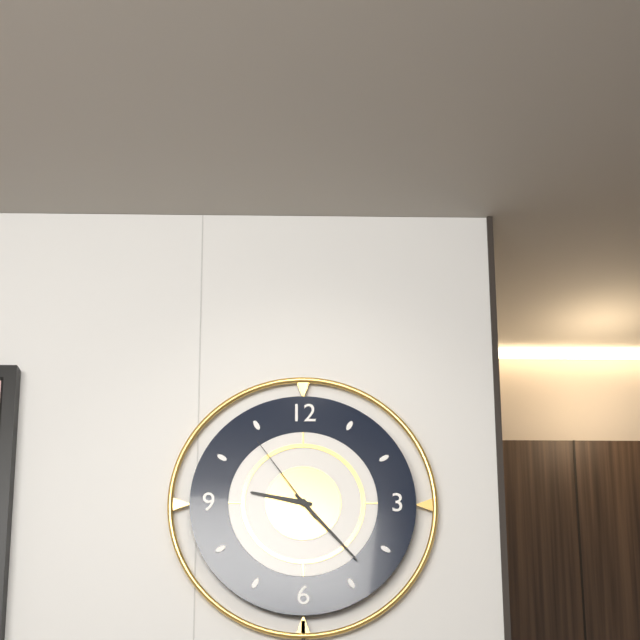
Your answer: 9,23,54
